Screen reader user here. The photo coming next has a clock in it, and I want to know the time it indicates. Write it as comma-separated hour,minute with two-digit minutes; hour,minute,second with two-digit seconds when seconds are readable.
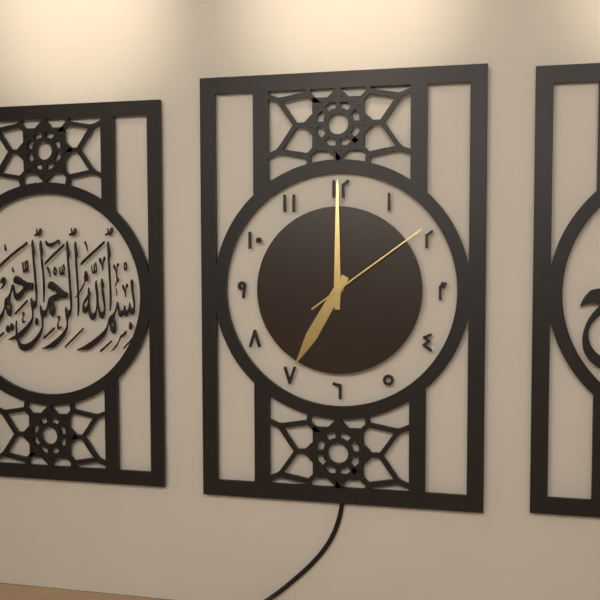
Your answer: 7,00,09
